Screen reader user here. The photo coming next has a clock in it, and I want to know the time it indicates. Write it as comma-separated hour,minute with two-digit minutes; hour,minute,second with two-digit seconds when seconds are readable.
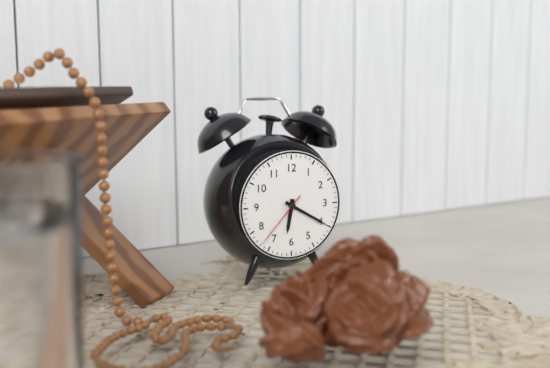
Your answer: 6,20,37
